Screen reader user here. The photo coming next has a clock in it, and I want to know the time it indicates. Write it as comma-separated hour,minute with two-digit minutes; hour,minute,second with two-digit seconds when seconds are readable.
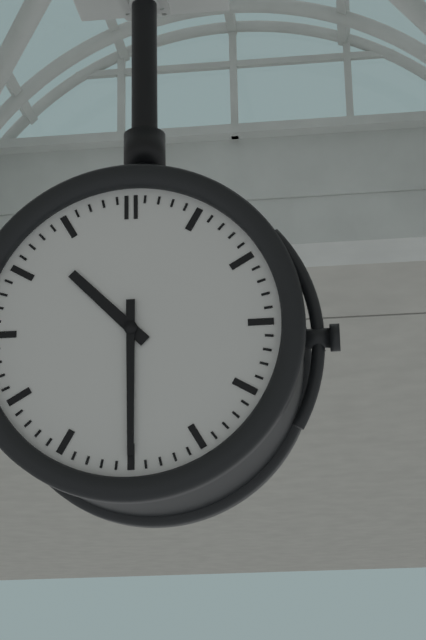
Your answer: 10,30
